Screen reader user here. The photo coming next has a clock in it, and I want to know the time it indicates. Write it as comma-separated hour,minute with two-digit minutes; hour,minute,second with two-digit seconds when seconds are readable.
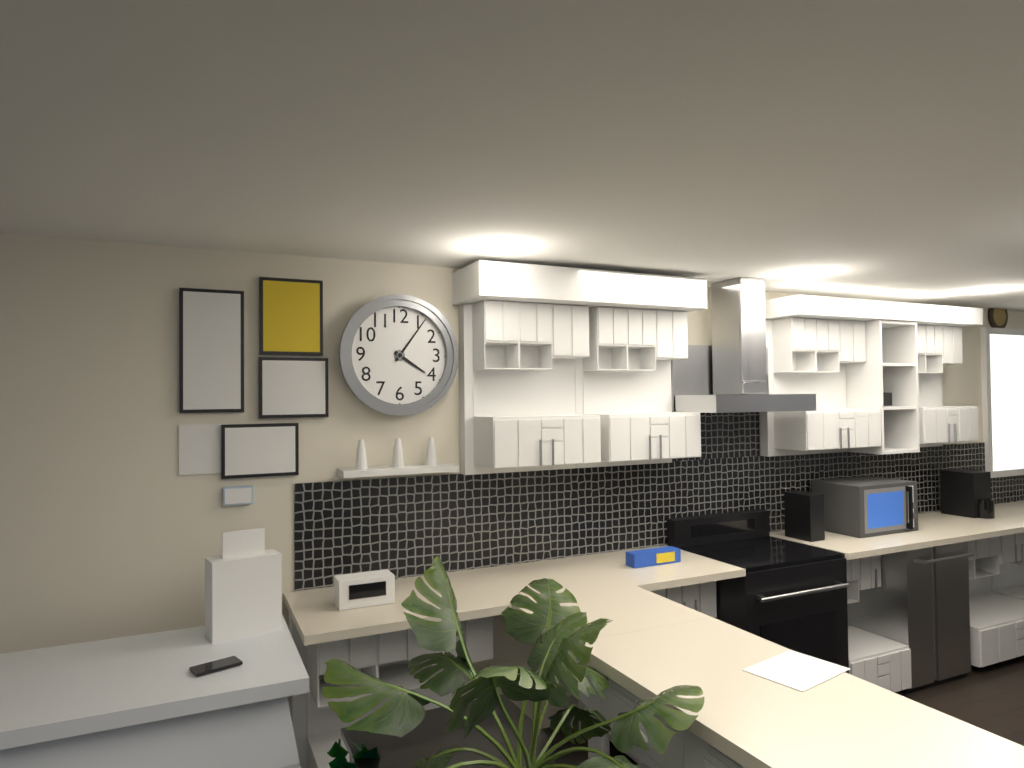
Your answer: 4,06
